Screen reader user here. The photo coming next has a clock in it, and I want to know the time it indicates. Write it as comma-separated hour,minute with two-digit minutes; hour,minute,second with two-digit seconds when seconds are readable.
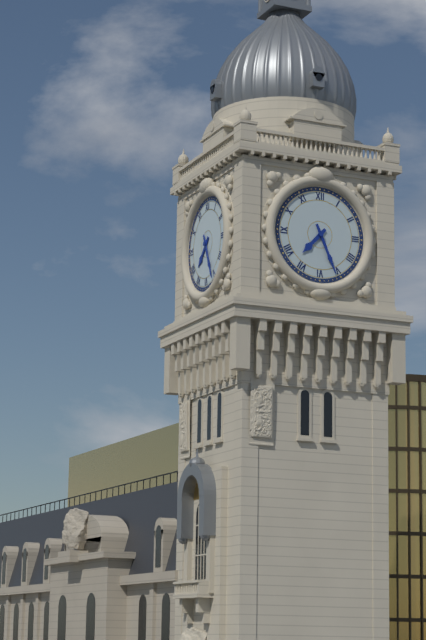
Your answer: 7,26
